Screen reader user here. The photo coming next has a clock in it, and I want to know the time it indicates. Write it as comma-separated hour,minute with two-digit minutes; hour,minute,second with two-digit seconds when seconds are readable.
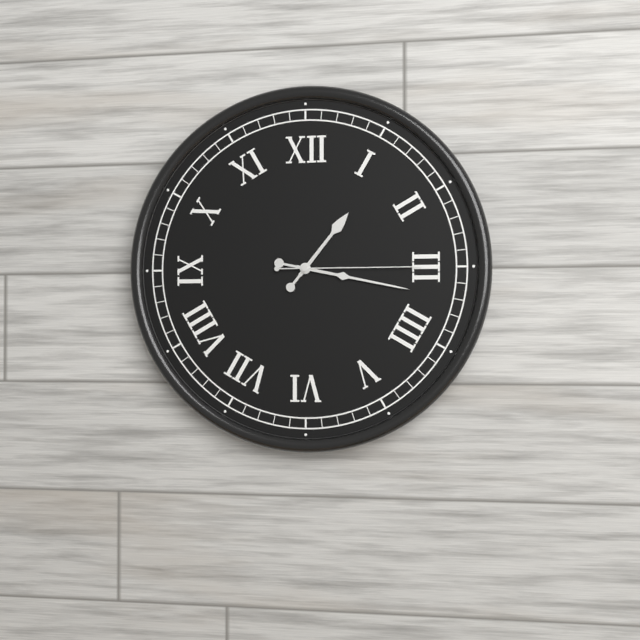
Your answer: 1,17,15
